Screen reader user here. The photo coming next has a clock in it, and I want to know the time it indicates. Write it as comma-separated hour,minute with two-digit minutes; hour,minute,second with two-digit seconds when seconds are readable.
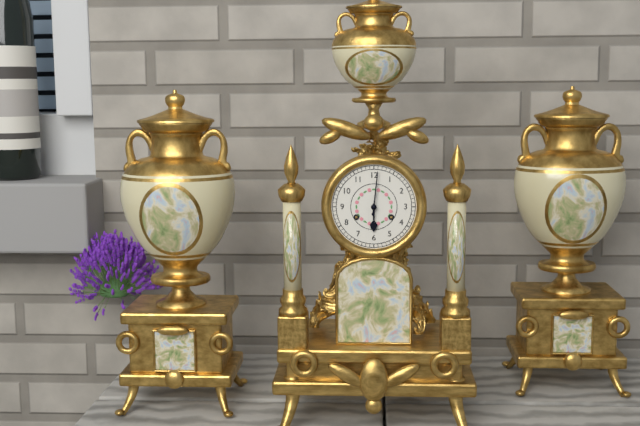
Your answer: 6,01
